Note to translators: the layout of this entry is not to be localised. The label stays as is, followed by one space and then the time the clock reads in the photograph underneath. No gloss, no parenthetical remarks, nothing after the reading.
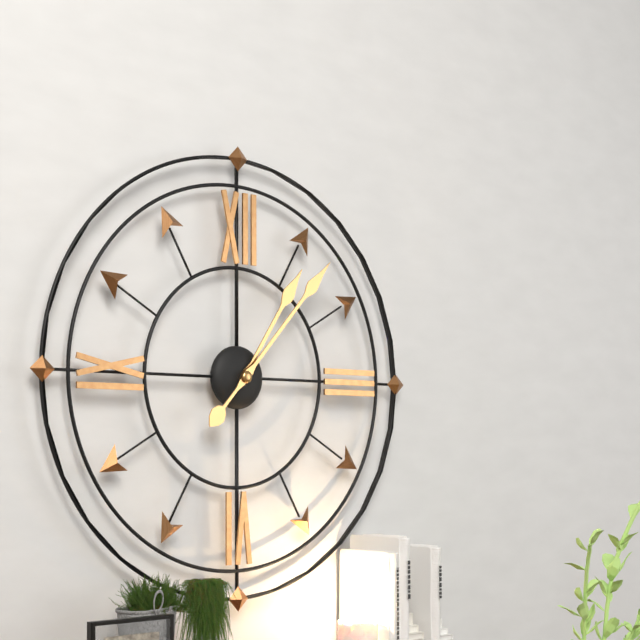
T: 1:07
